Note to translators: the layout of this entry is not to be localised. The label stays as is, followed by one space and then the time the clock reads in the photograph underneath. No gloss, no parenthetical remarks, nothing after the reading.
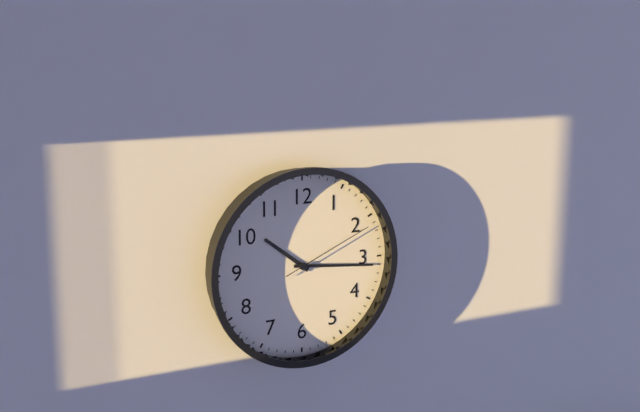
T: 10:16:11
